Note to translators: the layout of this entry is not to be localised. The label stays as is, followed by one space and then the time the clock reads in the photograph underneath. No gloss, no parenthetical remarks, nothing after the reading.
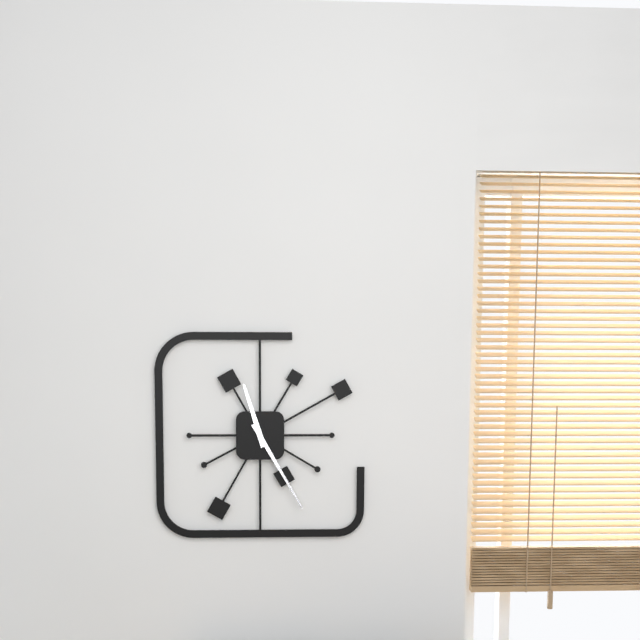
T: 11:25
